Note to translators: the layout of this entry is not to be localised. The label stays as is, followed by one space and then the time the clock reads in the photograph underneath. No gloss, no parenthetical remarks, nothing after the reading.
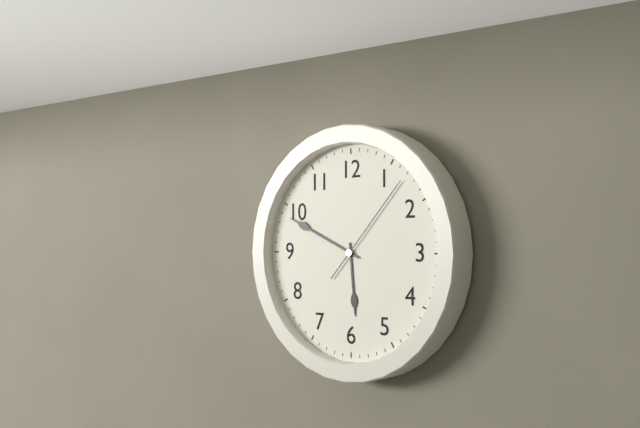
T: 5:49:07
